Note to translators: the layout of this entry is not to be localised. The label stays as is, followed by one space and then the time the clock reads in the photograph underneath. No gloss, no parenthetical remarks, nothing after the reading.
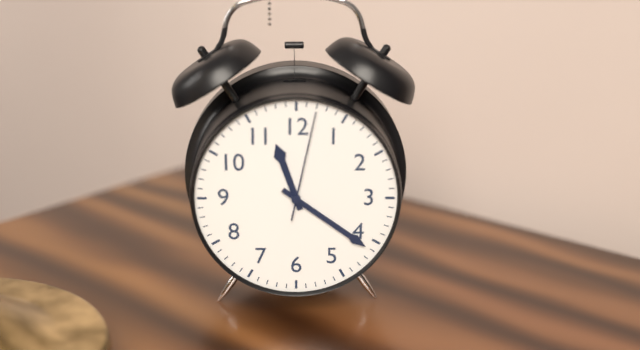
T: 11:21:02
